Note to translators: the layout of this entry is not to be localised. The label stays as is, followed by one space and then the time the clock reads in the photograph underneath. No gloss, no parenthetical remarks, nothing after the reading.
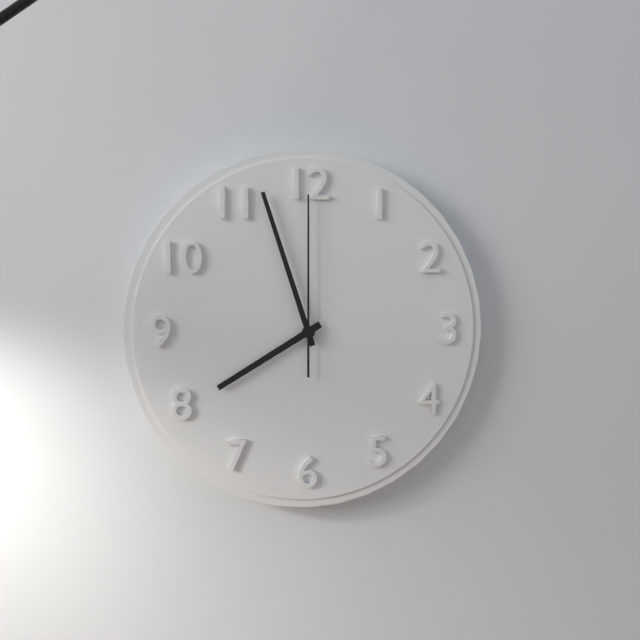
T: 7:57:00
